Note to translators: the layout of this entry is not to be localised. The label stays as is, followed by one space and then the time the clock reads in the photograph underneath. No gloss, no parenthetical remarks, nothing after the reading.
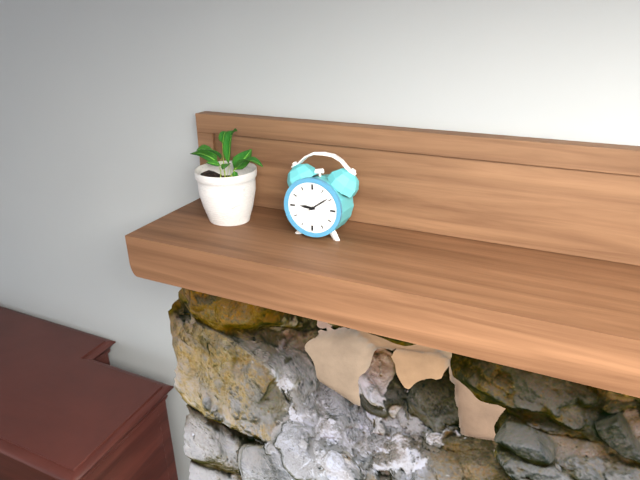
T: 9:09
